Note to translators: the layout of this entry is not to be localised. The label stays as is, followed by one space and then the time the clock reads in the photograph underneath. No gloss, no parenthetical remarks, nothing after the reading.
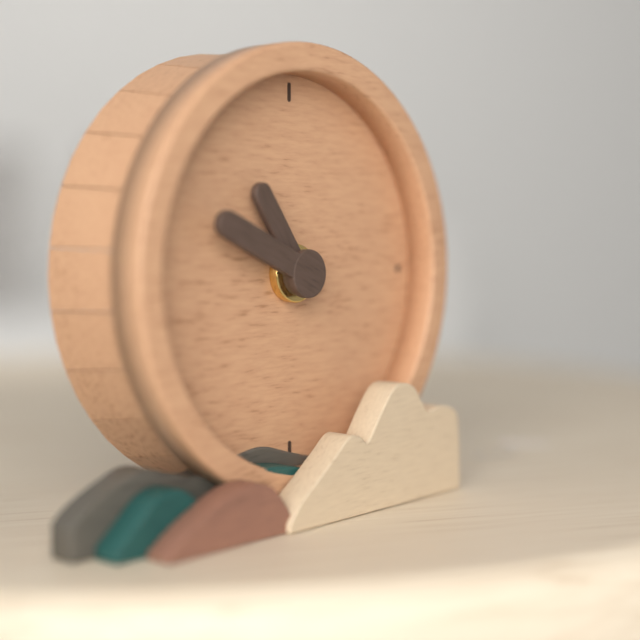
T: 10:49
